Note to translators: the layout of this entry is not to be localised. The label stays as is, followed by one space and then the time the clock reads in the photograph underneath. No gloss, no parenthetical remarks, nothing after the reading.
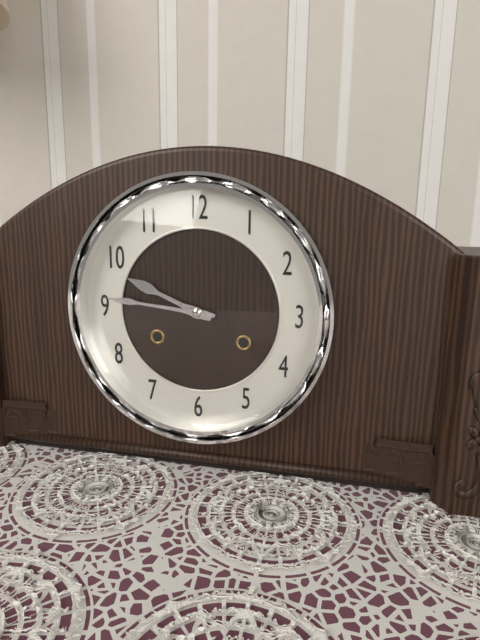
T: 9:46
